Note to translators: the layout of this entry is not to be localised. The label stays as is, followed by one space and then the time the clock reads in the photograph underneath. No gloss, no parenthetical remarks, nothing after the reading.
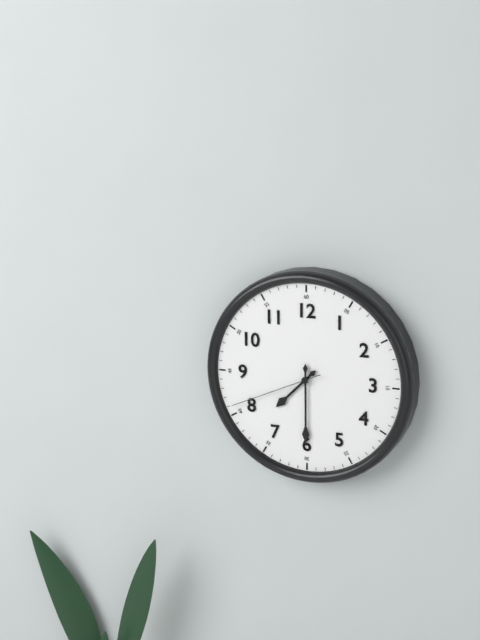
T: 7:30:41
